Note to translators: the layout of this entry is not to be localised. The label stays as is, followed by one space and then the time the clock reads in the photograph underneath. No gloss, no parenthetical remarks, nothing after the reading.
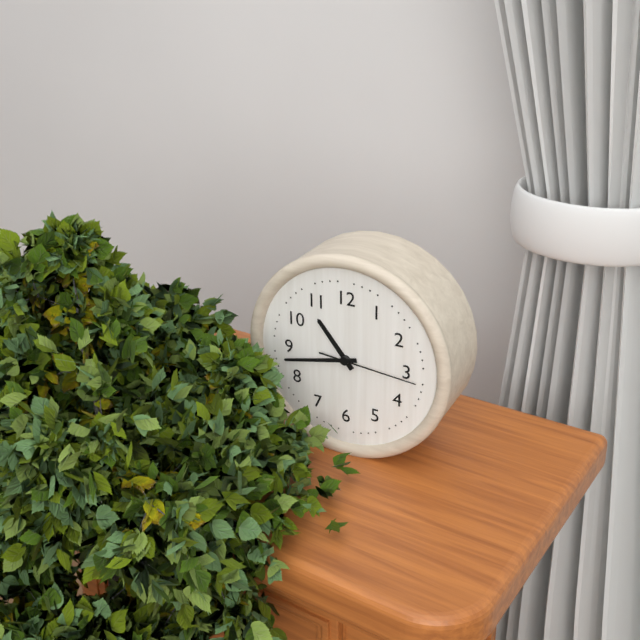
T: 10:43:16
